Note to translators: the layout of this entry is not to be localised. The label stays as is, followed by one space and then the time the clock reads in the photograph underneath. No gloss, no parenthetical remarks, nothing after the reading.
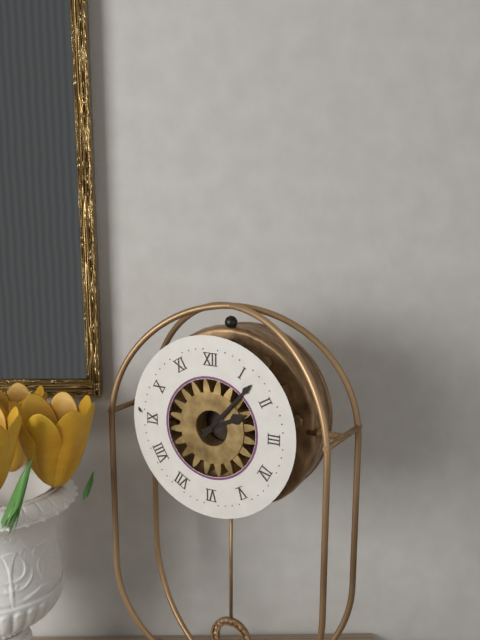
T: 2:07
